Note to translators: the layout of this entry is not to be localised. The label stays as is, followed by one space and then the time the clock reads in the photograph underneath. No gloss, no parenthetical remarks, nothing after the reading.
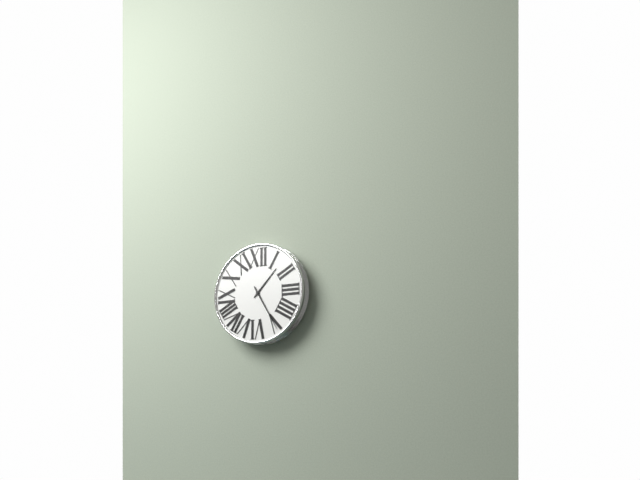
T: 1:25
